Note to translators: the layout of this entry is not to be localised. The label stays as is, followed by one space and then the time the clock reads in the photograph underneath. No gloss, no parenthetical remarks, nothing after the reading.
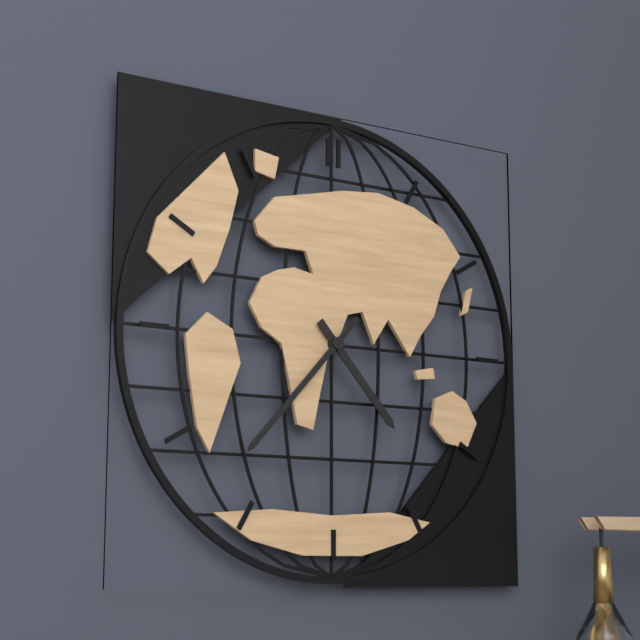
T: 4:37
